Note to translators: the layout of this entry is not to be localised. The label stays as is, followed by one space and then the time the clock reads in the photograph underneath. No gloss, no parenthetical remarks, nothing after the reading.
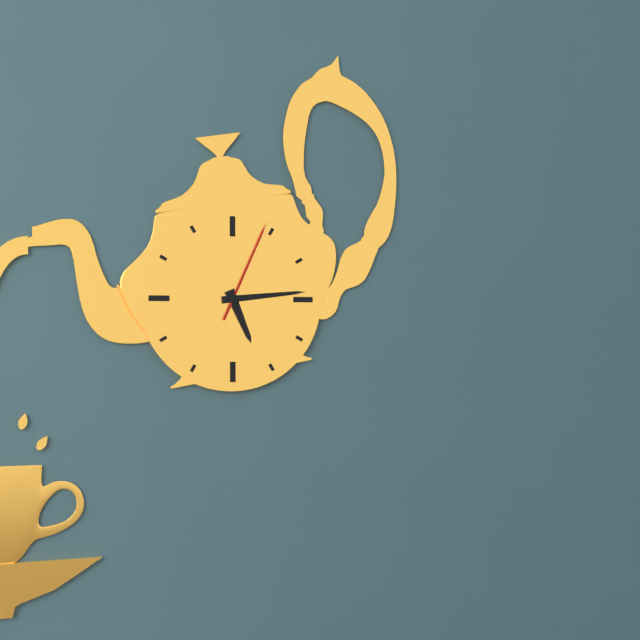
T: 5:14:04
